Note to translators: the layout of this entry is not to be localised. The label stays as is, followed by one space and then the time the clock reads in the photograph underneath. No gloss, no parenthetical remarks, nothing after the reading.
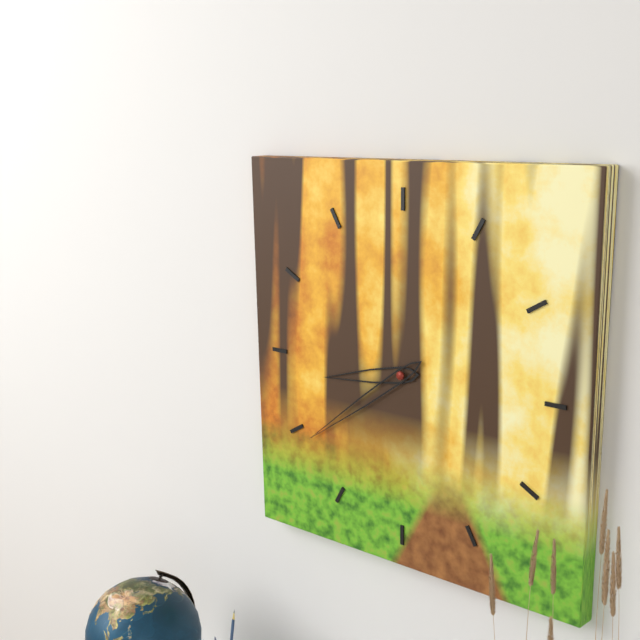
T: 8:39
